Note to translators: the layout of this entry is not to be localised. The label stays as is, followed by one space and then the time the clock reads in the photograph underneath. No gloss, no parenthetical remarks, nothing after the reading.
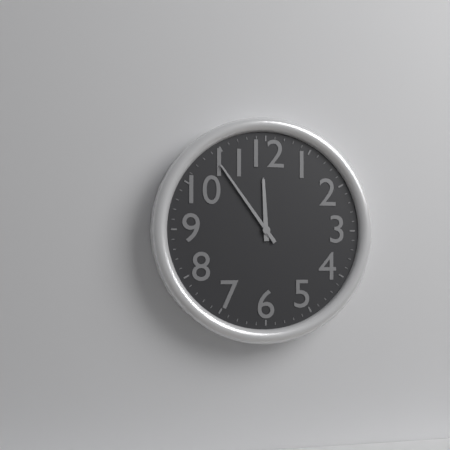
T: 11:54
